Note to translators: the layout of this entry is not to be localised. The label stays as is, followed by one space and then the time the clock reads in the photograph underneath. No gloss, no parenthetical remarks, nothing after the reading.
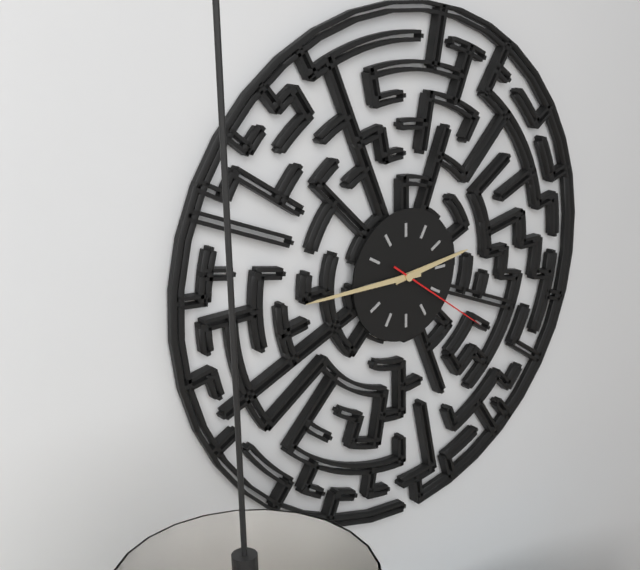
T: 2:45:21
